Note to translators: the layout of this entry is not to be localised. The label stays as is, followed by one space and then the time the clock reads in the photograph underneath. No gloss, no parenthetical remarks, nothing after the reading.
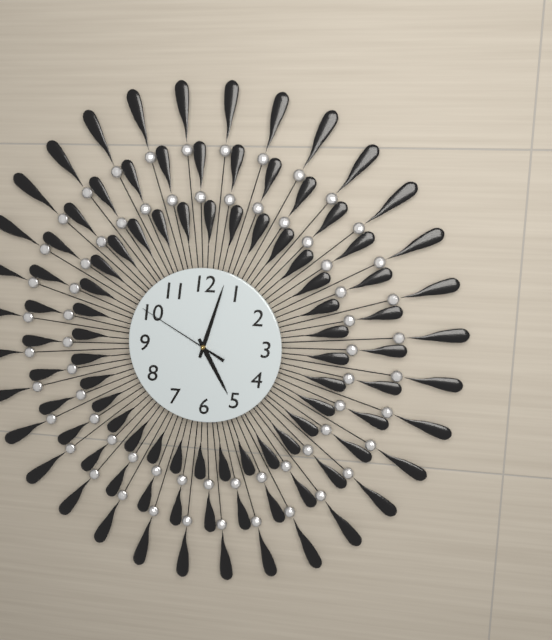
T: 5:03:50
